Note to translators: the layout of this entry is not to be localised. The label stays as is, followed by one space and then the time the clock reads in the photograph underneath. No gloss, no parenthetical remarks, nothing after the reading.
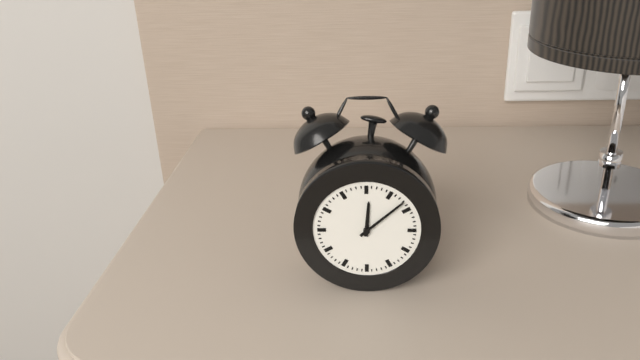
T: 12:08
